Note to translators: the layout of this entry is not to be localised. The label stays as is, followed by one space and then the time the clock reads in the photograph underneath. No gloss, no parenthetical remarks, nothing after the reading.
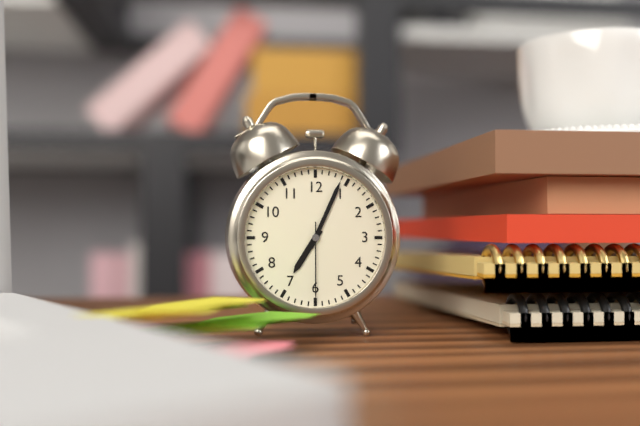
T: 7:04:30
